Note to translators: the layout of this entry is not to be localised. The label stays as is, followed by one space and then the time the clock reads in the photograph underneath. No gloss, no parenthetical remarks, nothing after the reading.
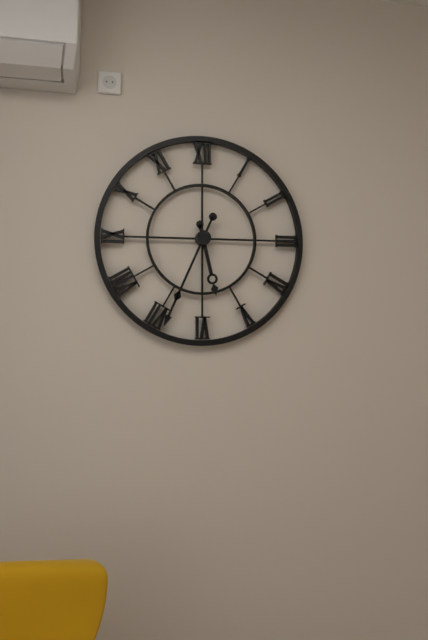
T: 5:34
